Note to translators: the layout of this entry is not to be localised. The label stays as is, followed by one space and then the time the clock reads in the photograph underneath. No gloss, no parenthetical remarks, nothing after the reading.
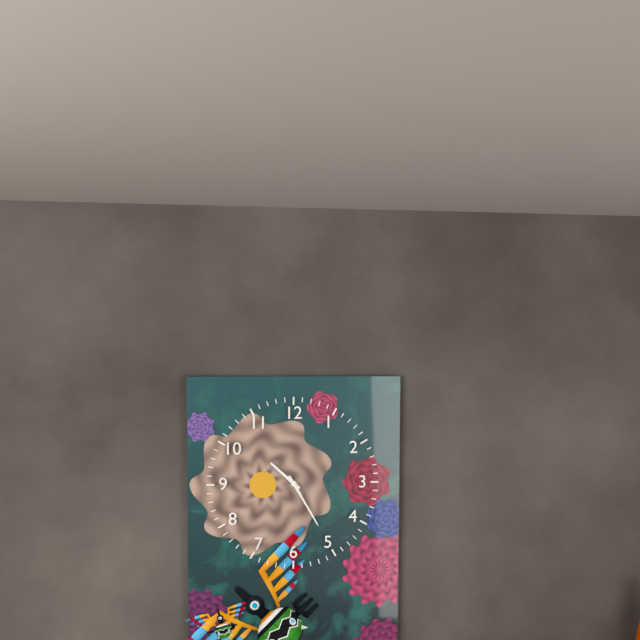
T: 10:25
